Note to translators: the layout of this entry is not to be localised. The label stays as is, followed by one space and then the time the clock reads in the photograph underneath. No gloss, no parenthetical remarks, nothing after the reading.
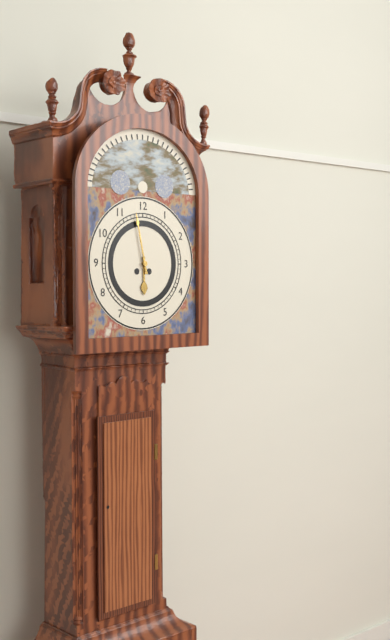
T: 5:58
